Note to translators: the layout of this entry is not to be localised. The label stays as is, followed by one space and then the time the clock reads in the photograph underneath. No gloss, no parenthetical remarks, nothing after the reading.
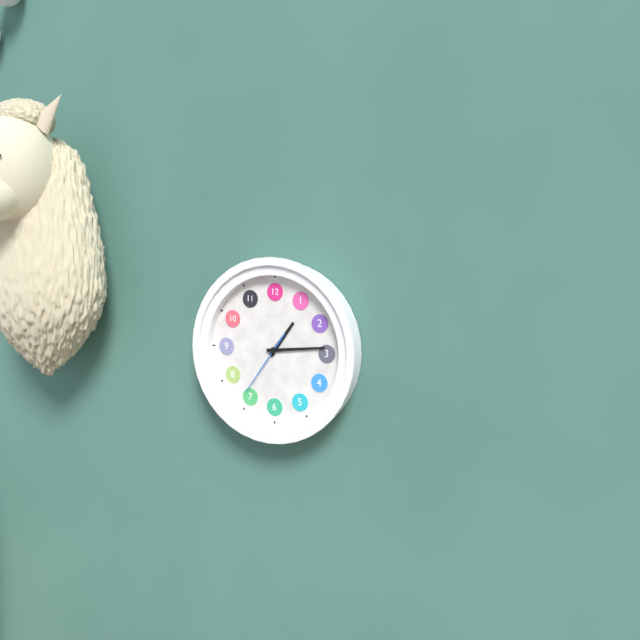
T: 1:14:36
